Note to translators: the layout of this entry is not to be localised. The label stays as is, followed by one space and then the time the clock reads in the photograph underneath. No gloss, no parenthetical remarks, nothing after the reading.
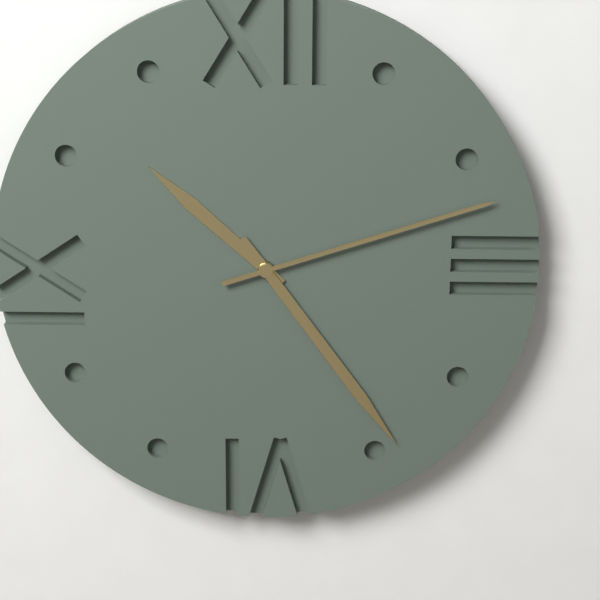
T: 10:24:12
